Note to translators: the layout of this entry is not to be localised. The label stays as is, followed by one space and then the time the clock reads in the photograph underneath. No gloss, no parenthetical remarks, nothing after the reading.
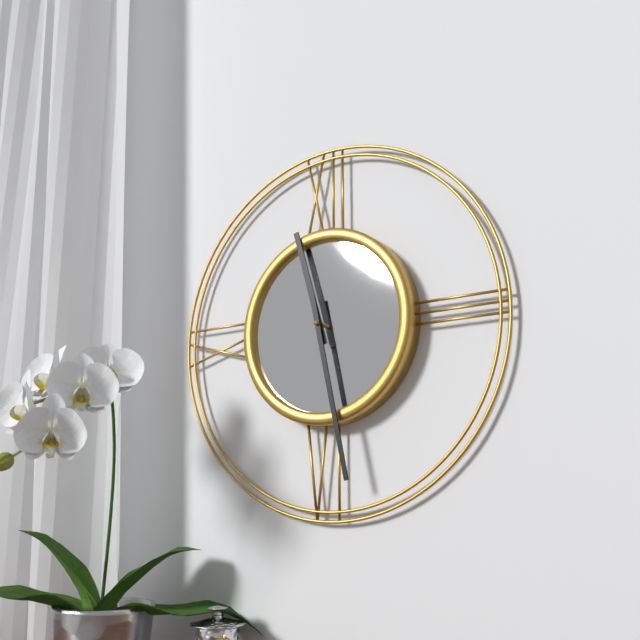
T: 11:28
